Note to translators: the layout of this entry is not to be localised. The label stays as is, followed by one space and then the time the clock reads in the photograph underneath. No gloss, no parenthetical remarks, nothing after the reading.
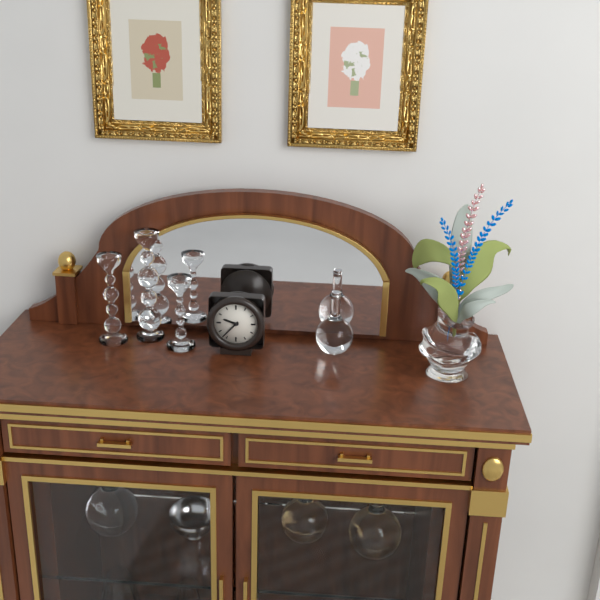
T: 9:37
